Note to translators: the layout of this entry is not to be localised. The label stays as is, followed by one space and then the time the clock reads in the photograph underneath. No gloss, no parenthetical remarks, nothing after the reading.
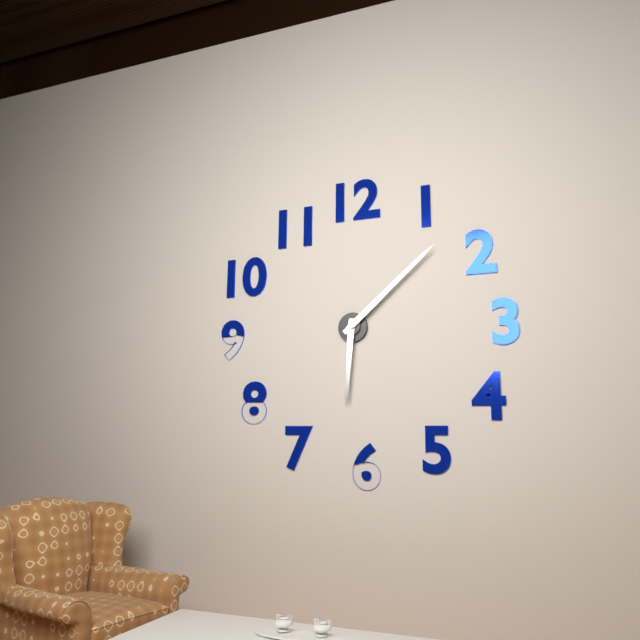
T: 6:08
